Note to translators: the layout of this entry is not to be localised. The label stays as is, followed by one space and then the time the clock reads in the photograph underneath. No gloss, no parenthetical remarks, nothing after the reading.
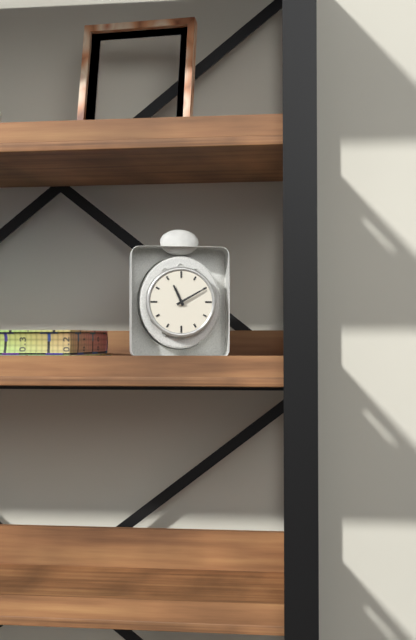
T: 11:10
